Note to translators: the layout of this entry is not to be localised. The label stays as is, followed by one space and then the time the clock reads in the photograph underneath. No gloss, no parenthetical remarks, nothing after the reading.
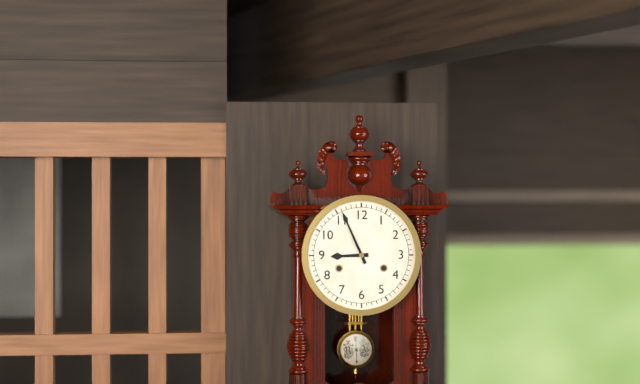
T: 8:56
